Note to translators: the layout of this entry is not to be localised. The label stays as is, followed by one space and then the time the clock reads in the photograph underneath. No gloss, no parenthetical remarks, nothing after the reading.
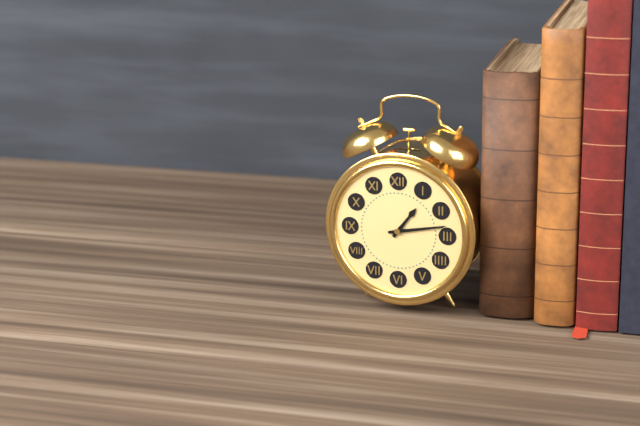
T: 1:13
